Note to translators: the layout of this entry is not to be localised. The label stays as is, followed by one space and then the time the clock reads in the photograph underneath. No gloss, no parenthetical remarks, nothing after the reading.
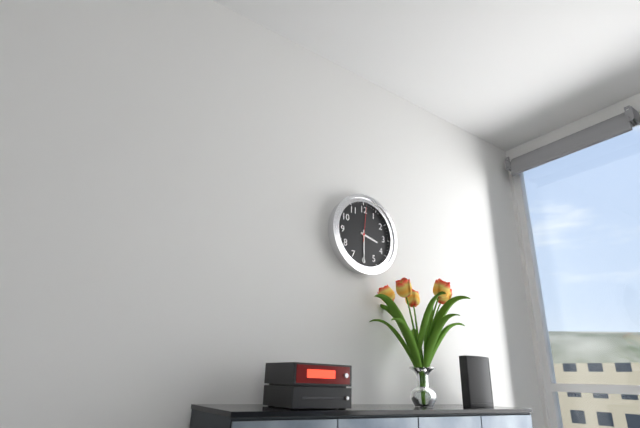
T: 3:30
